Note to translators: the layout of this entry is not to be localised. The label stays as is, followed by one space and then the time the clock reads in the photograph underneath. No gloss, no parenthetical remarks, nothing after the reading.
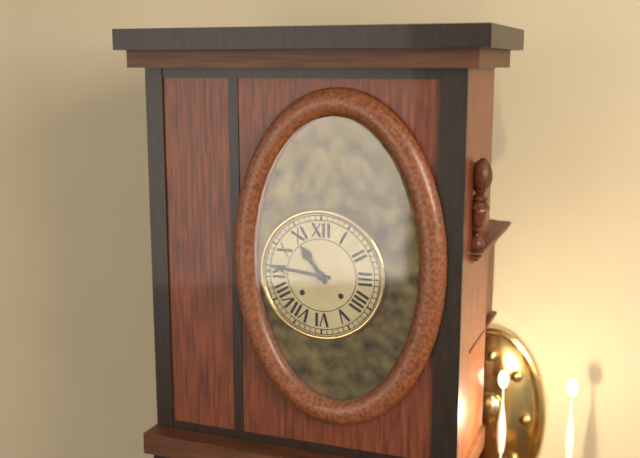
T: 10:46
